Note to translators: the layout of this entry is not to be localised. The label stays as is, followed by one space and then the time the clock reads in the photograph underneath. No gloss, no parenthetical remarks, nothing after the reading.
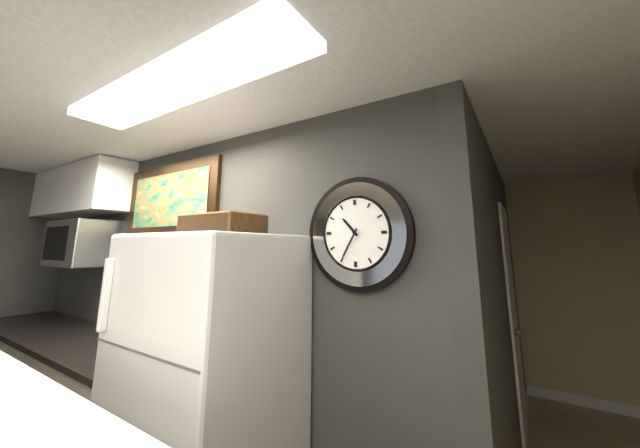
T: 10:35
